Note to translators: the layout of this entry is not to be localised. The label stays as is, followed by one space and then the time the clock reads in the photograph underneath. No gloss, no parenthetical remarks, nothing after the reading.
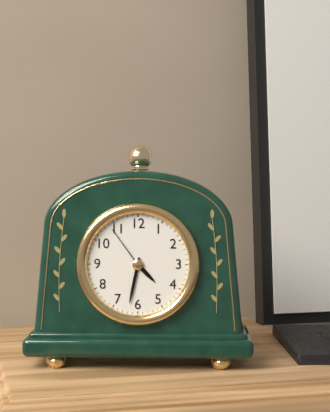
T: 4:32:54
